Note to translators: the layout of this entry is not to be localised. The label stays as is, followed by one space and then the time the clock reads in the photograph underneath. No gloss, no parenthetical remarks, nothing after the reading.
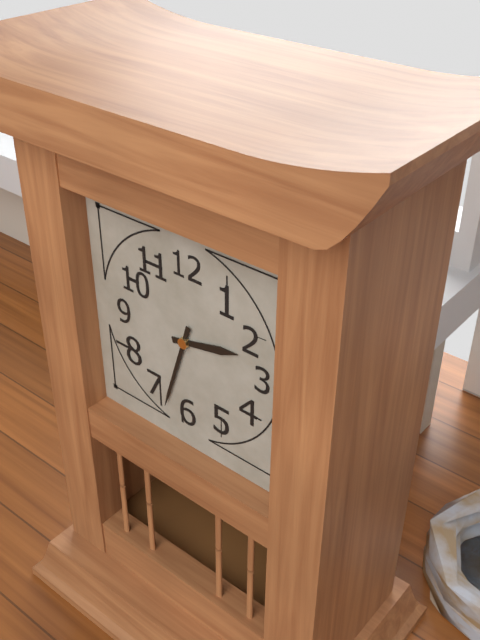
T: 2:33
